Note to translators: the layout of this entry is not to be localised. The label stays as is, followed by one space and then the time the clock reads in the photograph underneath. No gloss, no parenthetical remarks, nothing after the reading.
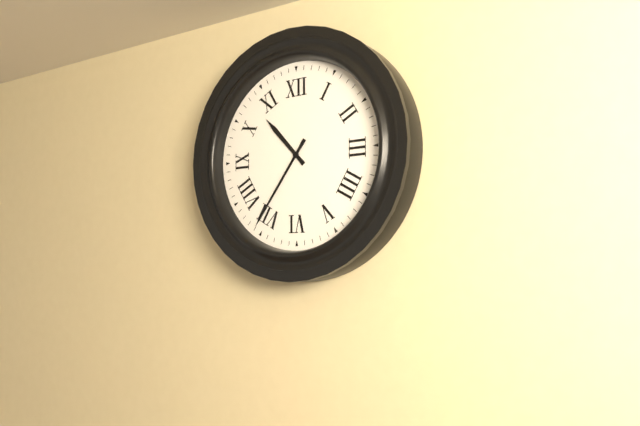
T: 10:36
